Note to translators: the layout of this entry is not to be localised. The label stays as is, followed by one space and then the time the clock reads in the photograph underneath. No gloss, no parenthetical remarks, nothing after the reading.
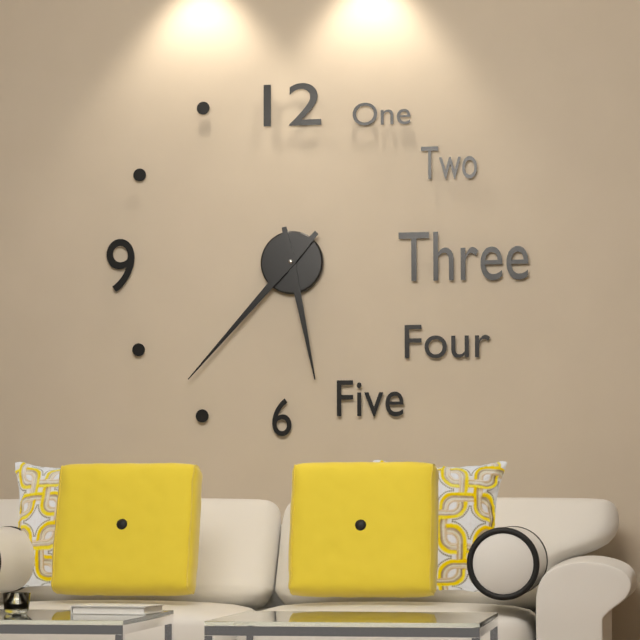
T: 5:37
